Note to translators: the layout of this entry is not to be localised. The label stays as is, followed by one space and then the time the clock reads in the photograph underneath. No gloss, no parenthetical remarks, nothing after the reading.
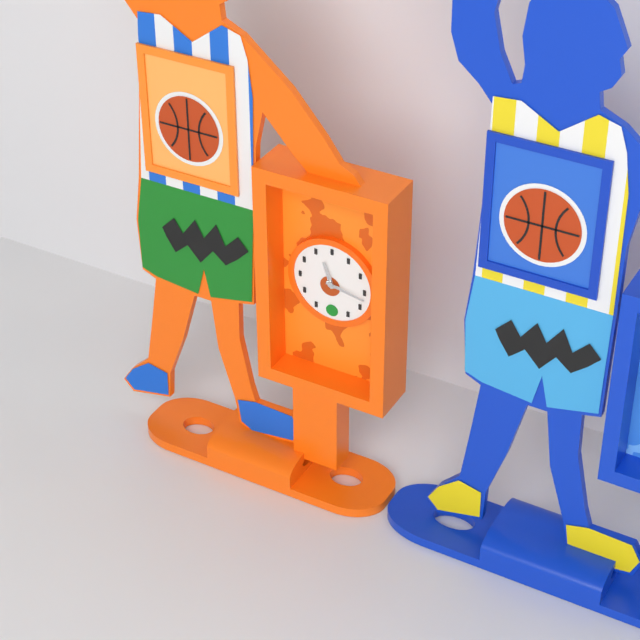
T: 11:17
